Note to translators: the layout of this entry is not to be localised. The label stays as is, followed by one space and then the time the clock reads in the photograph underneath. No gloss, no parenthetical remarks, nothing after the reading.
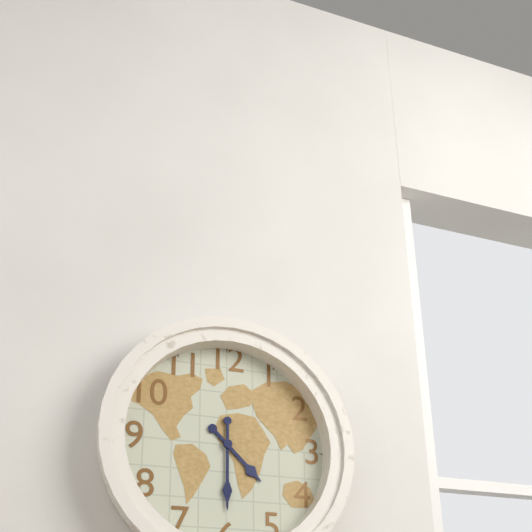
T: 4:30
